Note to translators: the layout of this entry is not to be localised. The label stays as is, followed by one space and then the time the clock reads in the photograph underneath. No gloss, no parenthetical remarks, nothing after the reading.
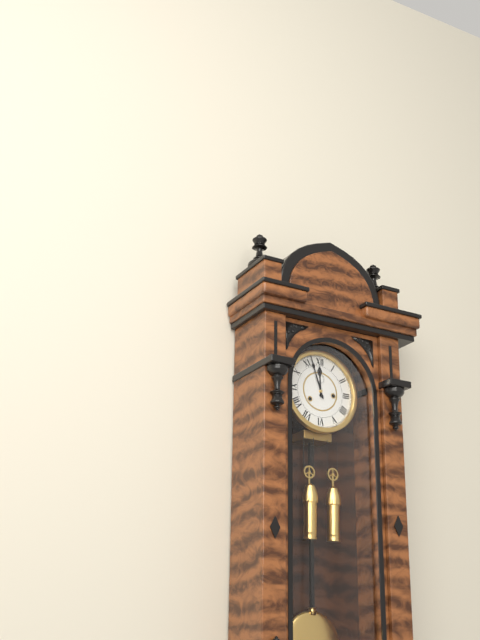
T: 11:57
